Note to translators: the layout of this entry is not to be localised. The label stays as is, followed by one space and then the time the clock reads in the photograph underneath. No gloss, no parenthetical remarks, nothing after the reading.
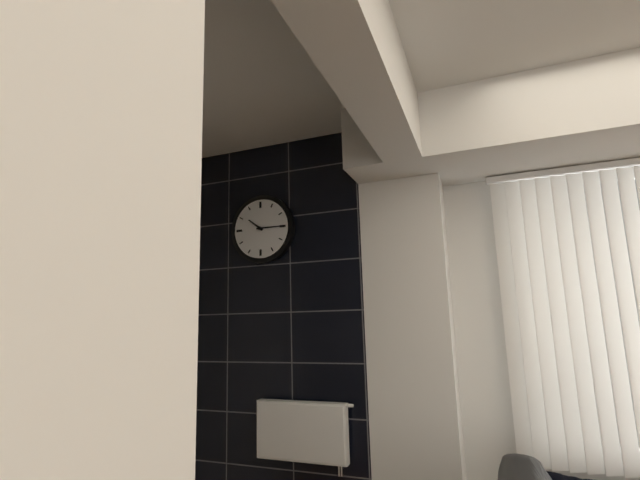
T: 10:15
